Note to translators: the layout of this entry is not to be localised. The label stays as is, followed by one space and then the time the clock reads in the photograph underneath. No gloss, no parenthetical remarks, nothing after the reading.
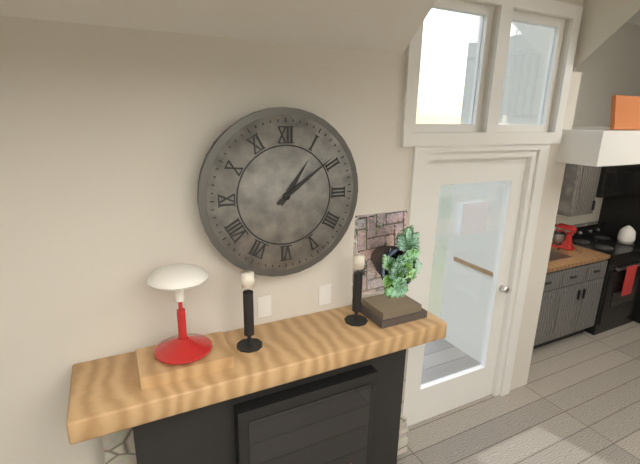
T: 1:09
